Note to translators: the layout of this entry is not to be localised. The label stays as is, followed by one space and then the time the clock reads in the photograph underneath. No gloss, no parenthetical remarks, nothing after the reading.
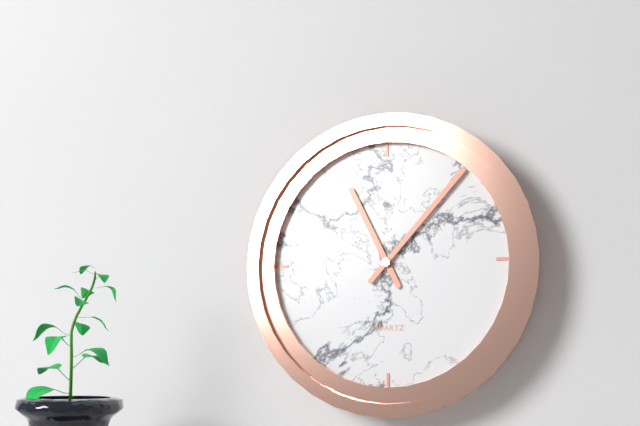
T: 11:07
